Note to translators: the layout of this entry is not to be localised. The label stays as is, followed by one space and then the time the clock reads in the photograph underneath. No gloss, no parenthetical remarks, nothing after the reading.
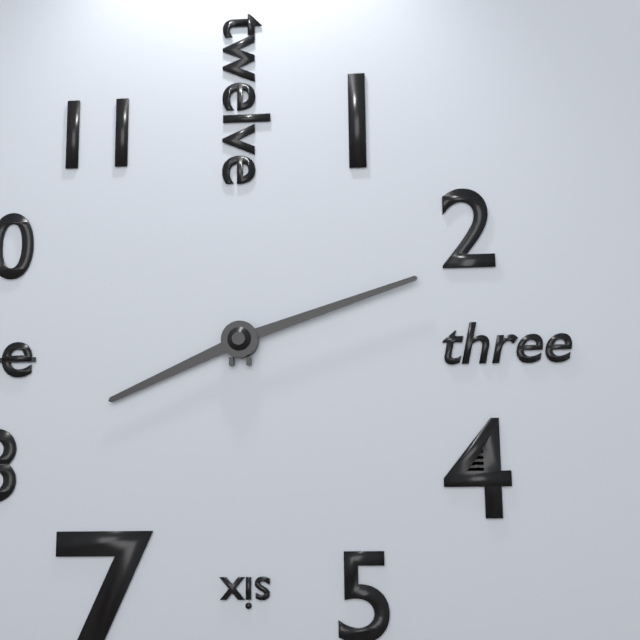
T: 8:12
